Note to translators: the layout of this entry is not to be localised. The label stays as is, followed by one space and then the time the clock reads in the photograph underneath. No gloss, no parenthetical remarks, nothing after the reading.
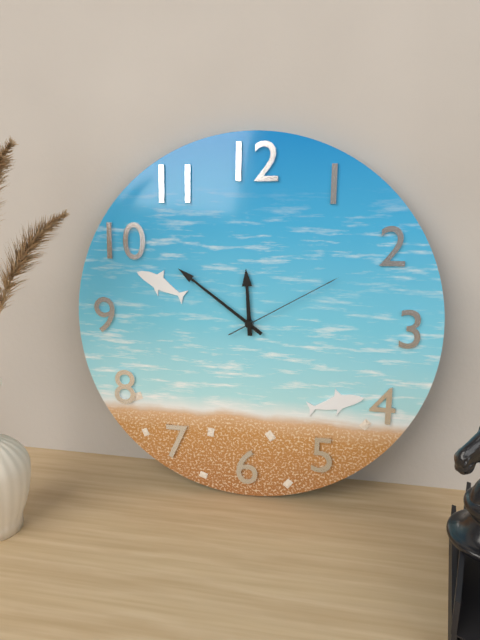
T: 11:51:10
